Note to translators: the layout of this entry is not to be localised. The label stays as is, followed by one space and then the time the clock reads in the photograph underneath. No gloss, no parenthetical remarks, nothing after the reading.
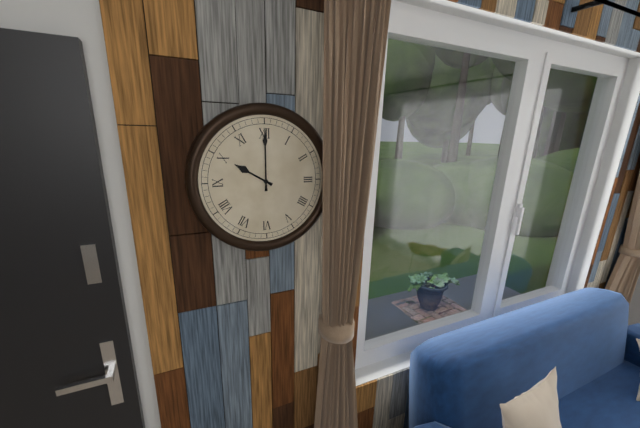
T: 10:00
